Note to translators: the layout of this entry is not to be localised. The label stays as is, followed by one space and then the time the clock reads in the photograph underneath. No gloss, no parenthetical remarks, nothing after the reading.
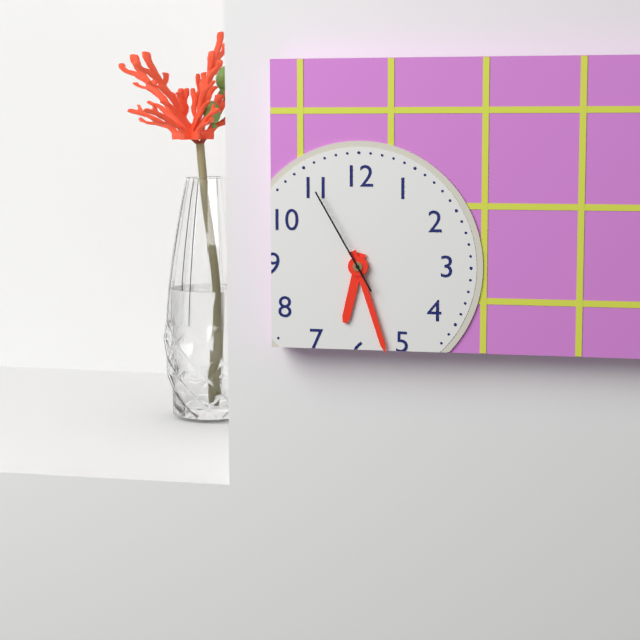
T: 6:27:55
